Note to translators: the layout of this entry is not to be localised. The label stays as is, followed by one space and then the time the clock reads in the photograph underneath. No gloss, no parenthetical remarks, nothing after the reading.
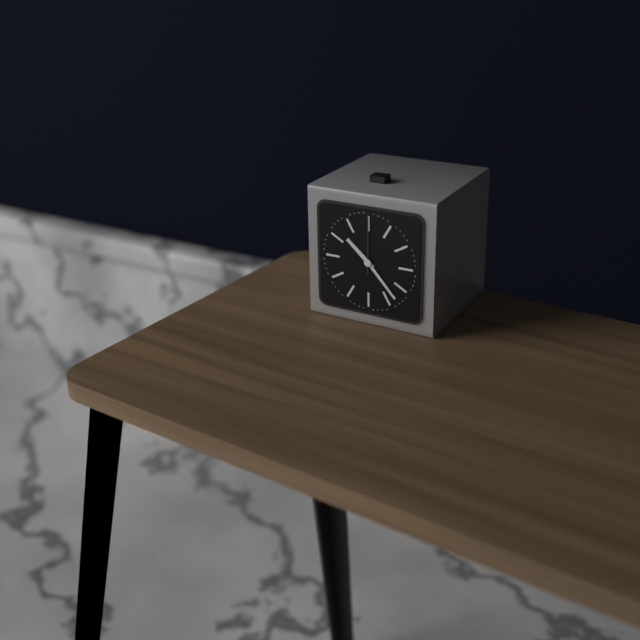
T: 10:23:00
